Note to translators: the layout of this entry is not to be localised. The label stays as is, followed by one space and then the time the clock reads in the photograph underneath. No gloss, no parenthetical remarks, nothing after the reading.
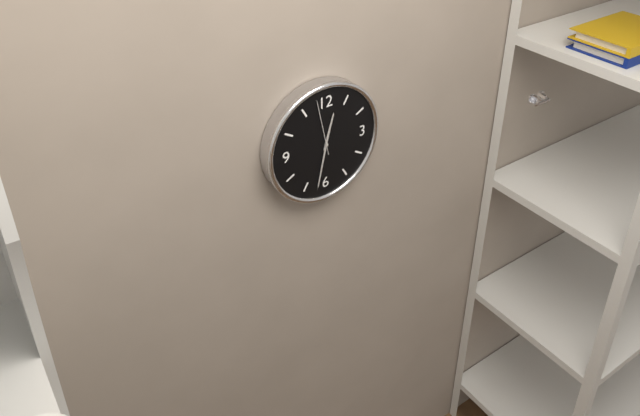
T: 12:32:58
